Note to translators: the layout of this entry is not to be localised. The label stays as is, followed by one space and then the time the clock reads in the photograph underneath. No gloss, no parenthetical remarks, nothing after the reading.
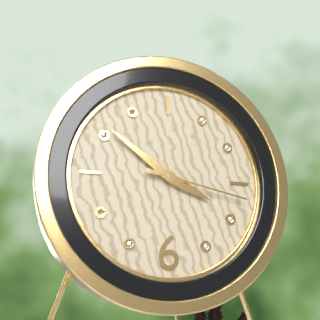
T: 3:51:17
